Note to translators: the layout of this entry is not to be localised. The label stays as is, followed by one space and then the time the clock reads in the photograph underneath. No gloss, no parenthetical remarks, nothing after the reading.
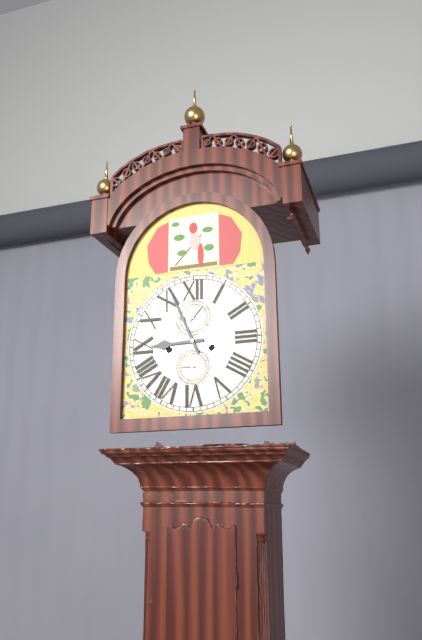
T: 8:56
